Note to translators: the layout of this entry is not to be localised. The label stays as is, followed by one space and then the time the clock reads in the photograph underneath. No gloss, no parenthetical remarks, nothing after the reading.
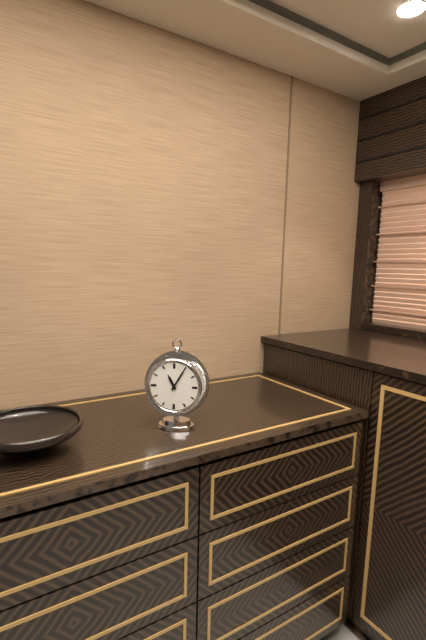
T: 11:05
